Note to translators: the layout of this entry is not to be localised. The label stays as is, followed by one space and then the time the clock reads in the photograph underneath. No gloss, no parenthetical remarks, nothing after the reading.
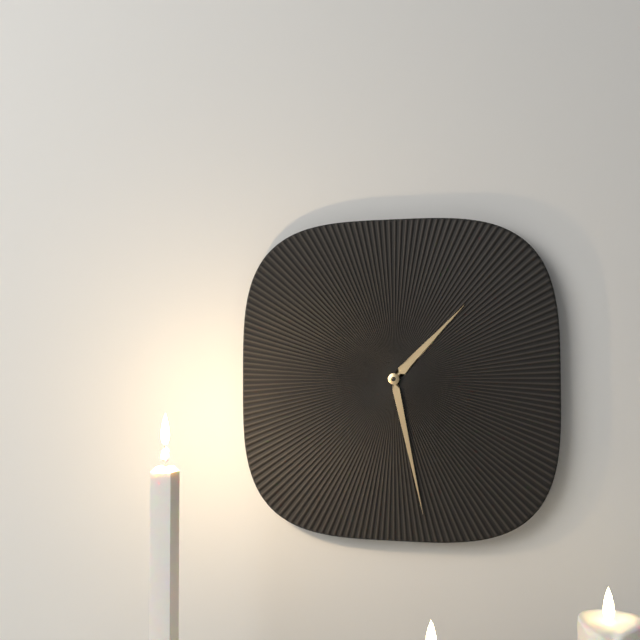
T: 1:28
